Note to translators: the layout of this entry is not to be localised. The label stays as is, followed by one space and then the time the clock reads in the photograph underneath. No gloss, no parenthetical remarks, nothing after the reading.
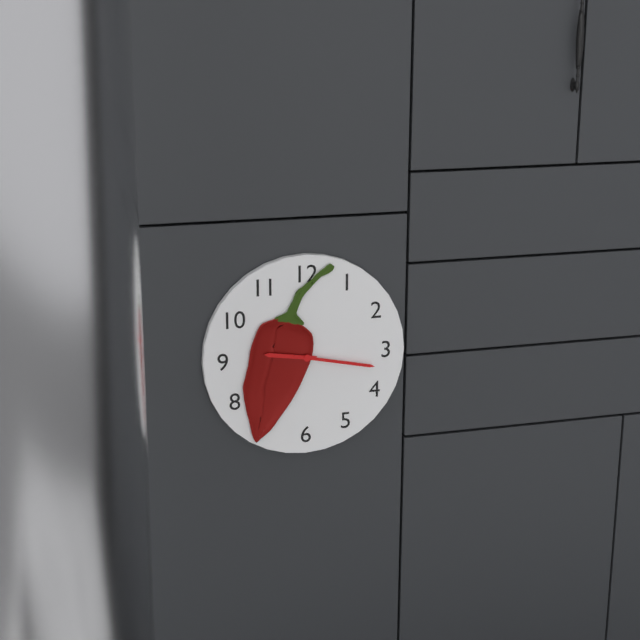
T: 9:17
